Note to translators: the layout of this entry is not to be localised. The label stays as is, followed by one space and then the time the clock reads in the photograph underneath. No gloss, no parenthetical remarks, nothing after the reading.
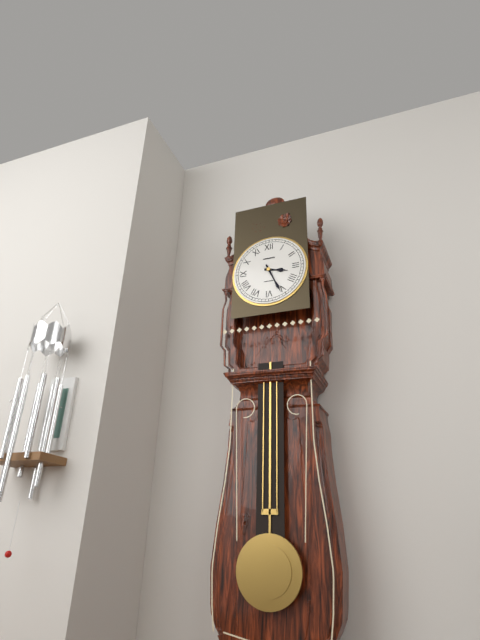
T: 3:26
